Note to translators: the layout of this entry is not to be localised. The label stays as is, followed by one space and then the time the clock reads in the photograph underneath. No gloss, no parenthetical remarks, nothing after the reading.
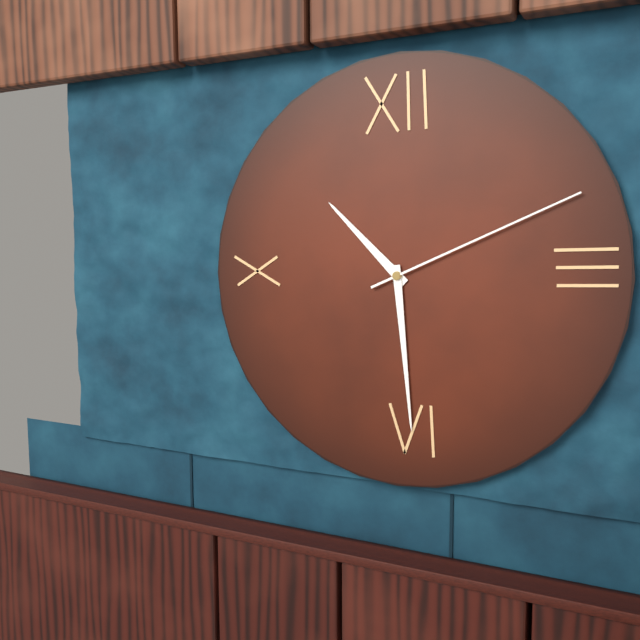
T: 10:29:11
